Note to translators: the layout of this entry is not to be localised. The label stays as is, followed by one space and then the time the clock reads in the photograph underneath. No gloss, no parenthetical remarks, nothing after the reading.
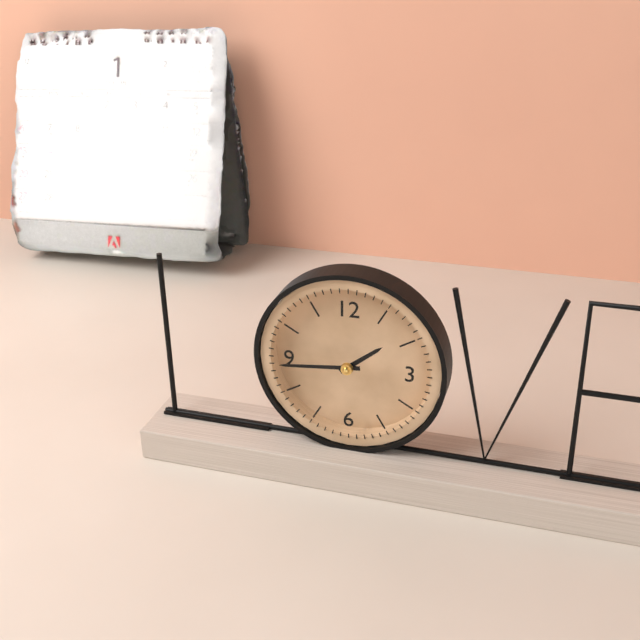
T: 1:44
